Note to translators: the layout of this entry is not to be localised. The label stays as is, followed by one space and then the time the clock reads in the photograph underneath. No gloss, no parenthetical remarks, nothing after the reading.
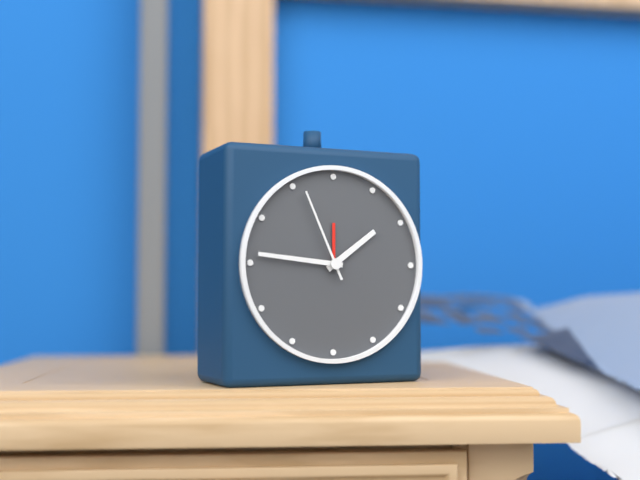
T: 1:46:56
